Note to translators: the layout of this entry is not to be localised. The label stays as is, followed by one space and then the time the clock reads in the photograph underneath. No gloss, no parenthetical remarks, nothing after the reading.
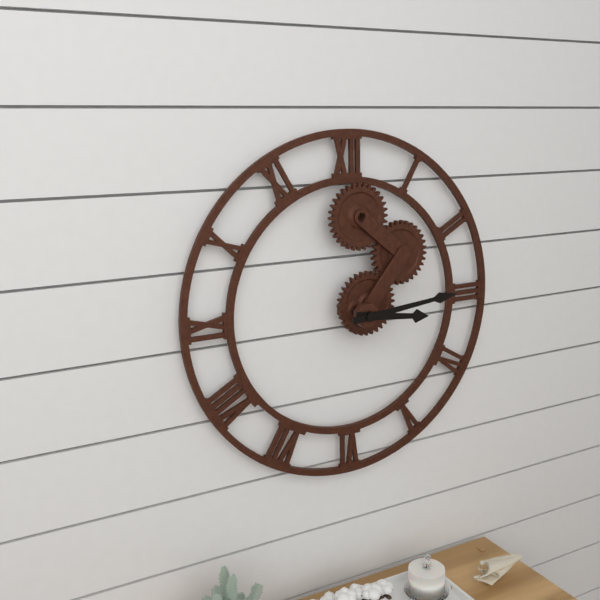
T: 3:14
